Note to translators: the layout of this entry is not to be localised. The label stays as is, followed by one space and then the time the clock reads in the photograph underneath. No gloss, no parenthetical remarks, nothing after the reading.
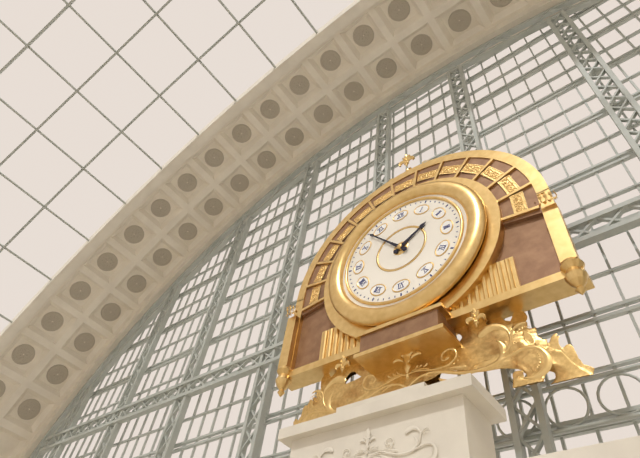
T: 1:53
